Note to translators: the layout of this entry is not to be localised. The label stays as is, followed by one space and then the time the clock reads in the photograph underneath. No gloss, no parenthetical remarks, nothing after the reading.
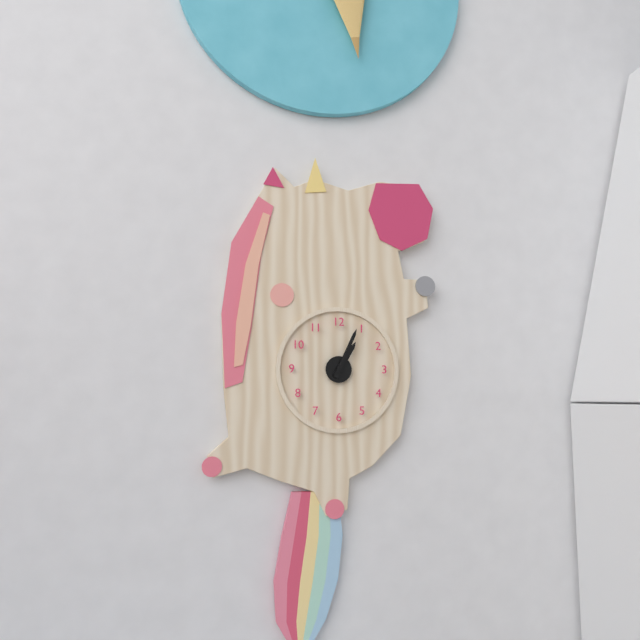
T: 1:04
